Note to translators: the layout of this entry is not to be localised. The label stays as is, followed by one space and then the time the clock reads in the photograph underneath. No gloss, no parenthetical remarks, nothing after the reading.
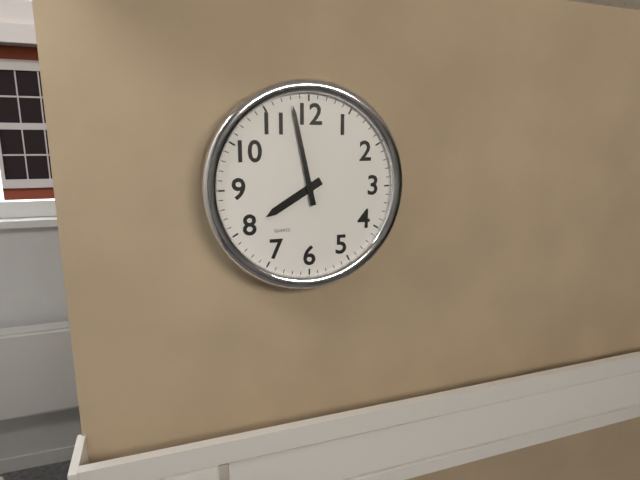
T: 7:58
